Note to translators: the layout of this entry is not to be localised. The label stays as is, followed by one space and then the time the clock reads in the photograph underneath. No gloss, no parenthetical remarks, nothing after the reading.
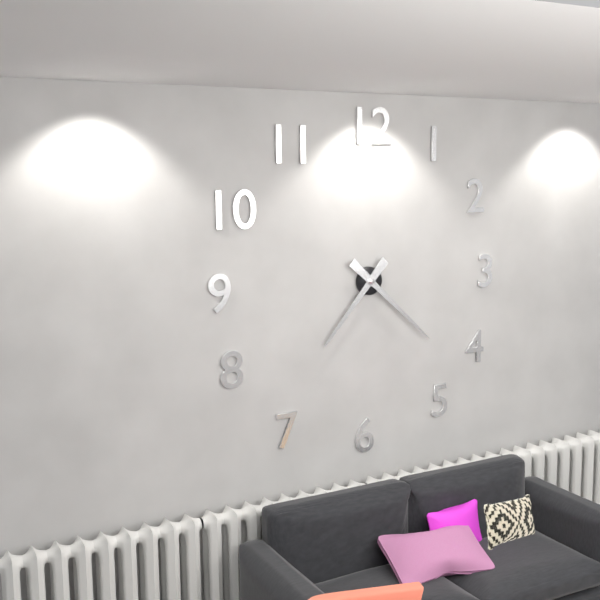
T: 7:22
